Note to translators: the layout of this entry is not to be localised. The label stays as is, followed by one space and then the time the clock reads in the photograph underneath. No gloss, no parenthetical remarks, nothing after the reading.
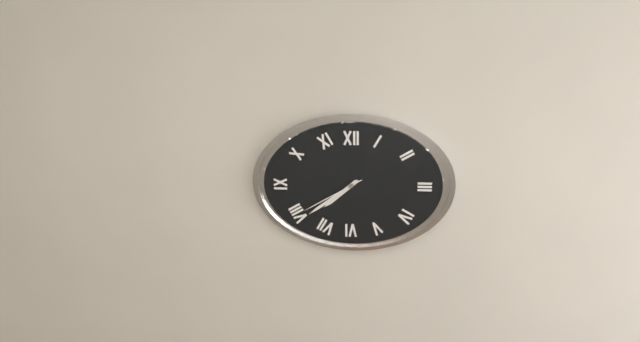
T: 7:39:40
